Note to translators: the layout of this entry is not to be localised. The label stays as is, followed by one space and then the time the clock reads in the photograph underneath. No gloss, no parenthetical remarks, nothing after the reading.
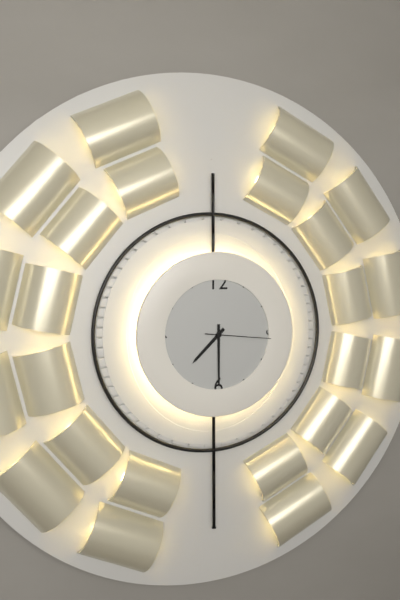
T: 7:30:16
